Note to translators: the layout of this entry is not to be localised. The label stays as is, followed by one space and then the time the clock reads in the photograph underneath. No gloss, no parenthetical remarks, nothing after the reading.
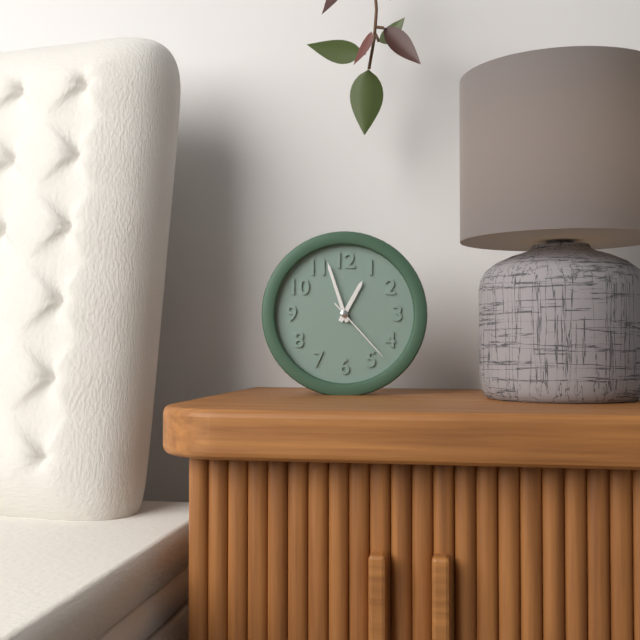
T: 12:57:23
